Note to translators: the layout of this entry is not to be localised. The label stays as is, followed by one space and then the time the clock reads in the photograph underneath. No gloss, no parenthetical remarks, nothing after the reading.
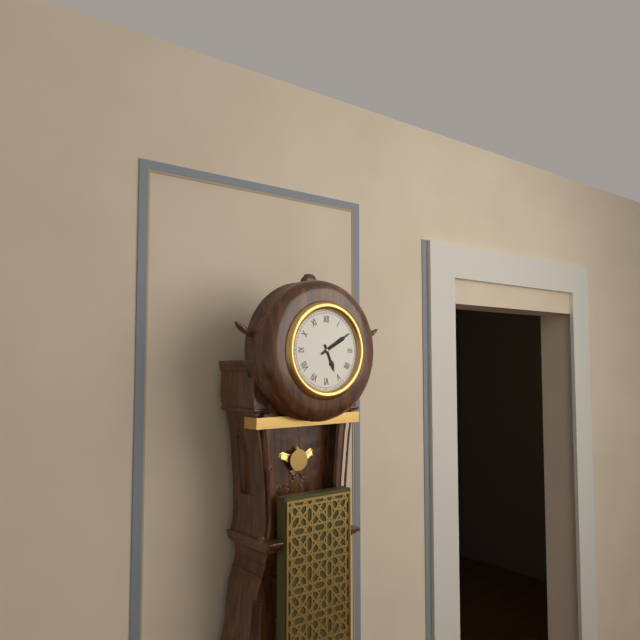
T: 5:10
